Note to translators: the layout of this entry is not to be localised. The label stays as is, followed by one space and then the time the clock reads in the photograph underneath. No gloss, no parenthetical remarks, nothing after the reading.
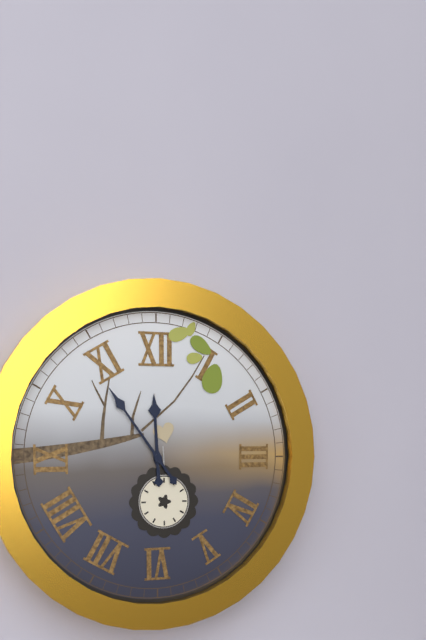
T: 11:54
